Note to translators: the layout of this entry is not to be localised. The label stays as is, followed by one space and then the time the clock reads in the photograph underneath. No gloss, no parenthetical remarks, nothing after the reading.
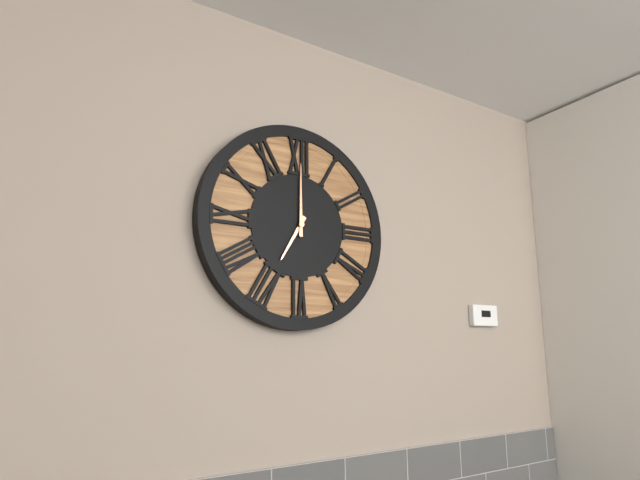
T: 7:00
